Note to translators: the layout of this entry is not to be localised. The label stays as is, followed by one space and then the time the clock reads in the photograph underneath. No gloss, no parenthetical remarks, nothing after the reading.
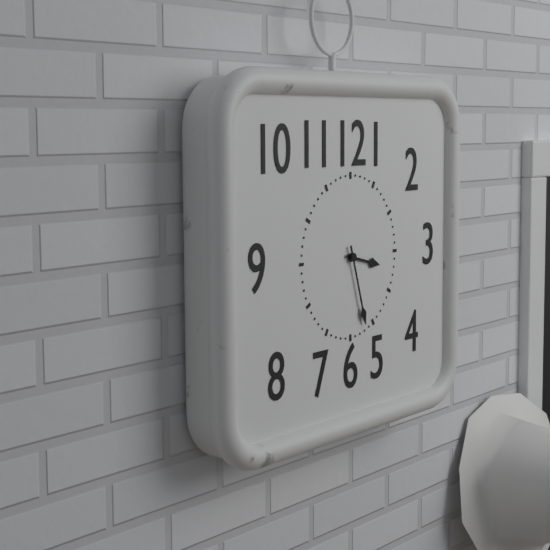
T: 3:27
